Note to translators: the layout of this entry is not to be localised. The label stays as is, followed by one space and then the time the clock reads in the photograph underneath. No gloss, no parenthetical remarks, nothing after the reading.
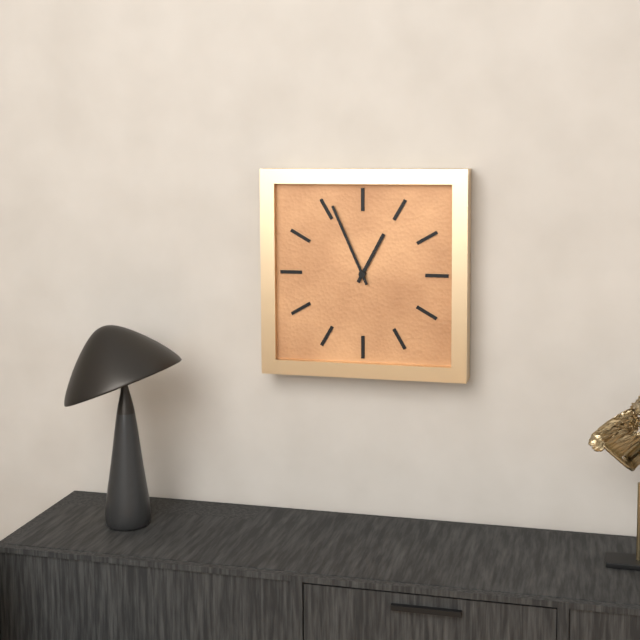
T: 12:56
